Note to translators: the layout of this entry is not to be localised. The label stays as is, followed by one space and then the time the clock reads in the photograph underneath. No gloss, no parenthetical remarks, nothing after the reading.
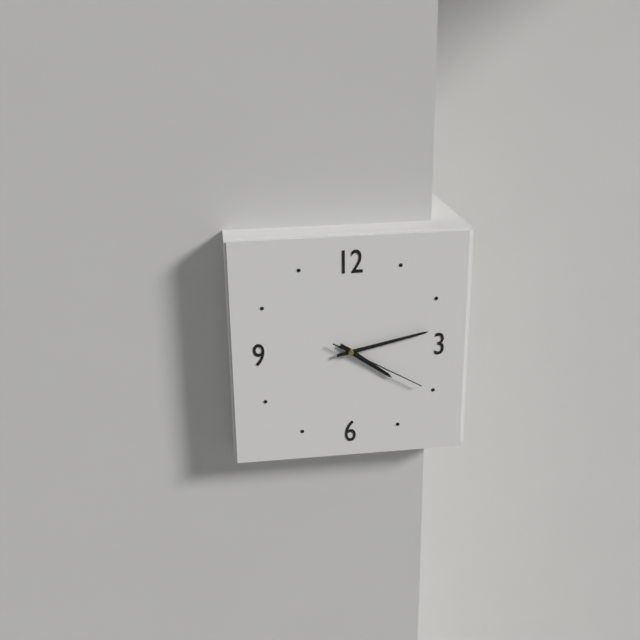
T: 4:13:20
